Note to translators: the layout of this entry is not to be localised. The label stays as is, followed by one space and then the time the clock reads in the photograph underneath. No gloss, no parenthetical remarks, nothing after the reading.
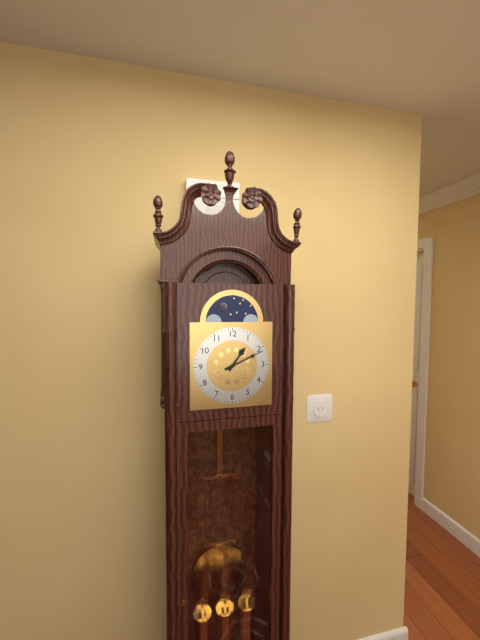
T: 1:11
